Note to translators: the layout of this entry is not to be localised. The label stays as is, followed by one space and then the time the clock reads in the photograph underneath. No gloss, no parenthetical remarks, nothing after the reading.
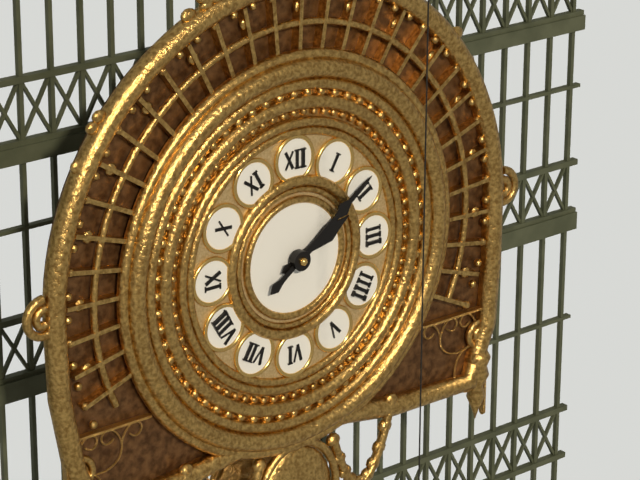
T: 2:09
